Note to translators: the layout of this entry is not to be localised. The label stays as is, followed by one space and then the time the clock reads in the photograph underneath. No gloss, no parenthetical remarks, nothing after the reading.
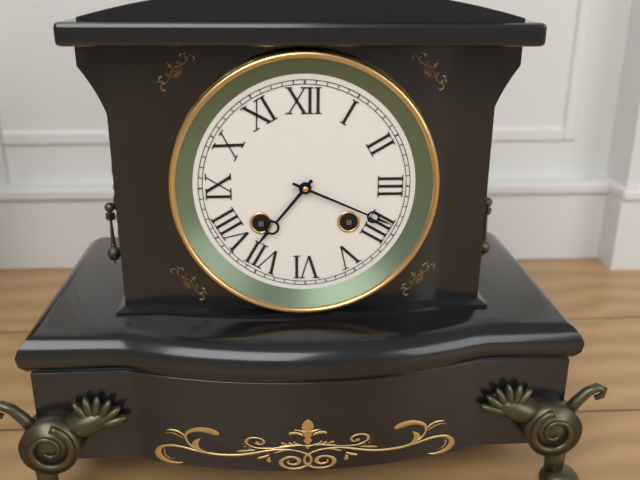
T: 7:19
